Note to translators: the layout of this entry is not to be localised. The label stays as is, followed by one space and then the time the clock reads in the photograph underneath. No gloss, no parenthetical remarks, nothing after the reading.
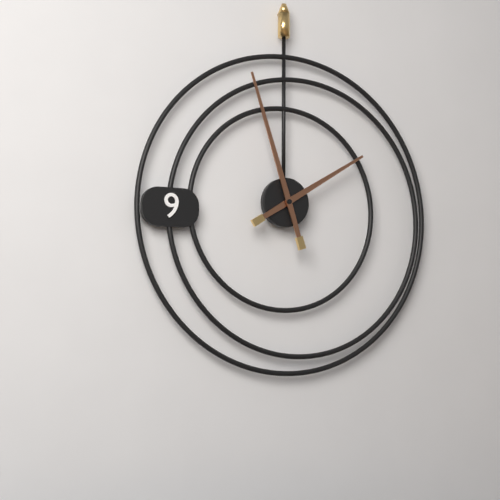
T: 1:57
